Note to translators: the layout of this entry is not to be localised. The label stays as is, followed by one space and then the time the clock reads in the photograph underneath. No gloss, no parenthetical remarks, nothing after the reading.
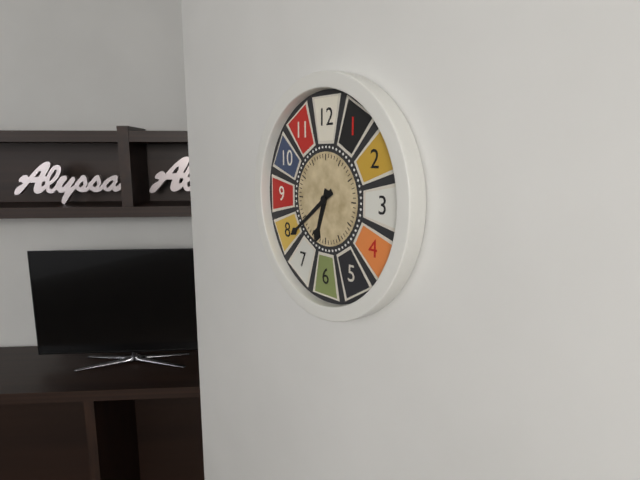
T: 6:39
